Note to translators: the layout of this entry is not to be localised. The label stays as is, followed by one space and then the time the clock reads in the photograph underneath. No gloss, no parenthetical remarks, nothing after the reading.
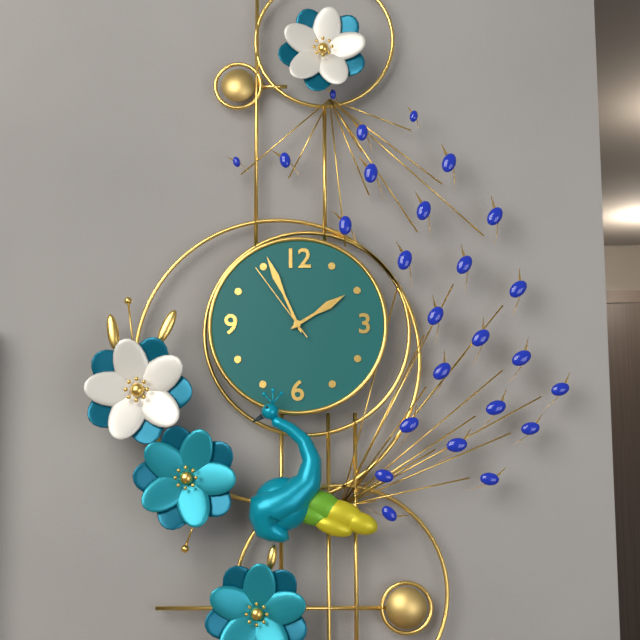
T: 1:56:54
